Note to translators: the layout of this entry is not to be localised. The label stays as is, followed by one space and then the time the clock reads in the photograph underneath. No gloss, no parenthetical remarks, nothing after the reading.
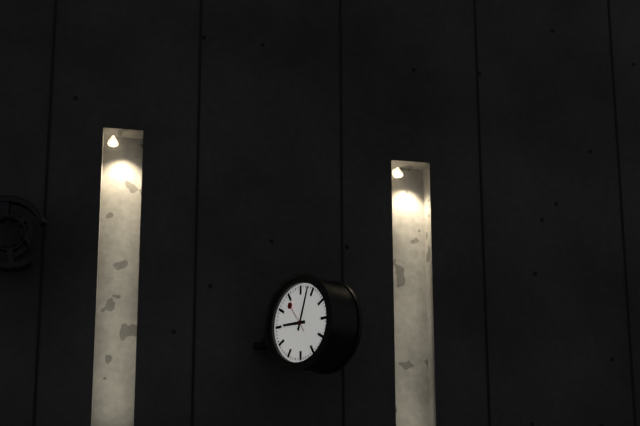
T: 9:03
